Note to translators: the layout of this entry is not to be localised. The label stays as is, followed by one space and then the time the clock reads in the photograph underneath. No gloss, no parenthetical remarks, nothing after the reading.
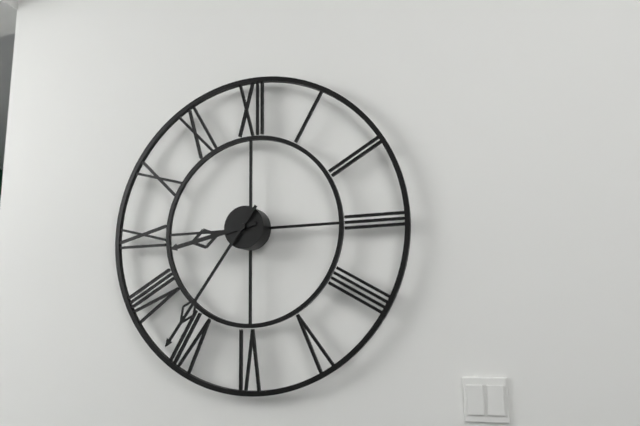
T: 8:36
